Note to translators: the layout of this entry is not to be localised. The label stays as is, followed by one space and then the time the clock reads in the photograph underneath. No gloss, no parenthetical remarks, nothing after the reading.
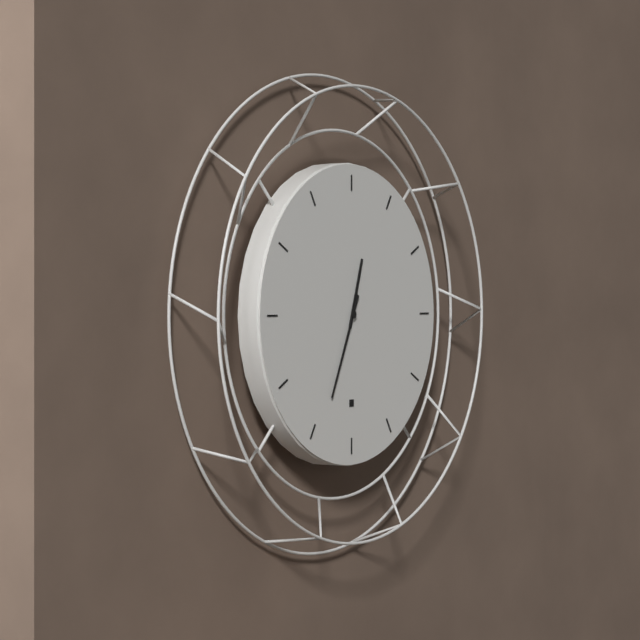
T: 12:34
